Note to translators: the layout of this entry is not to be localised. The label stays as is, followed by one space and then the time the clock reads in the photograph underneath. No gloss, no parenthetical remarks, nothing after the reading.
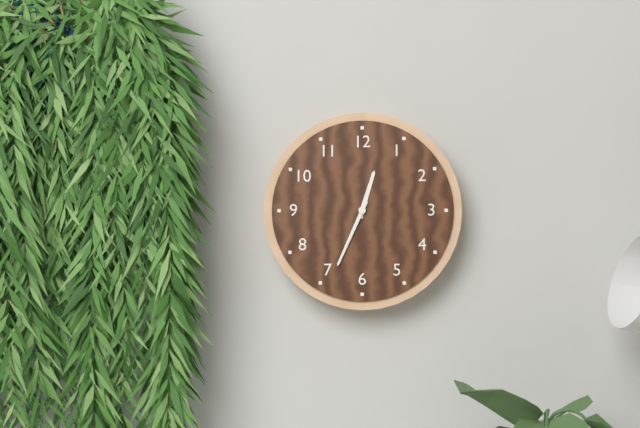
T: 12:34
